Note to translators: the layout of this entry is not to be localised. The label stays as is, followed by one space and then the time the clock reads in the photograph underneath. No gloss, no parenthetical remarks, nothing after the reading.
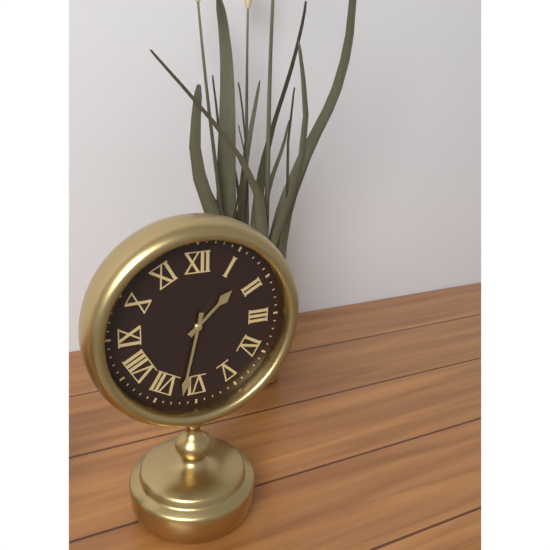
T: 1:32
